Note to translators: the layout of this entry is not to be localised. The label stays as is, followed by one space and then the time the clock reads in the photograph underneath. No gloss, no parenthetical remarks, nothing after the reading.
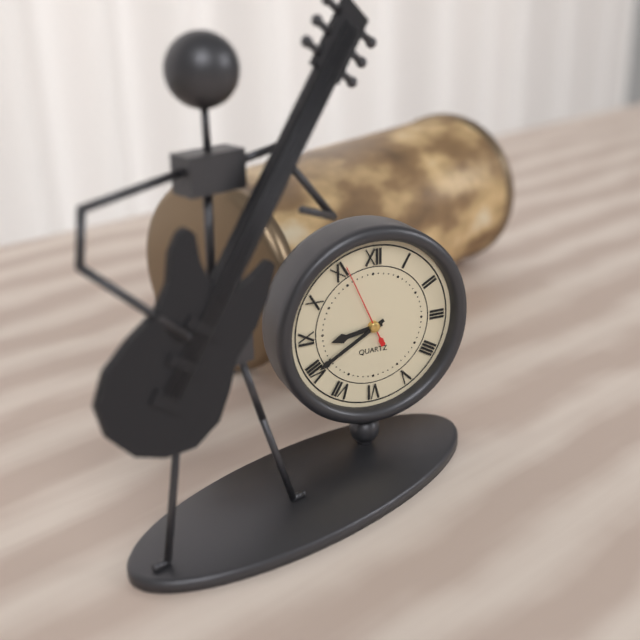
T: 8:40:56
